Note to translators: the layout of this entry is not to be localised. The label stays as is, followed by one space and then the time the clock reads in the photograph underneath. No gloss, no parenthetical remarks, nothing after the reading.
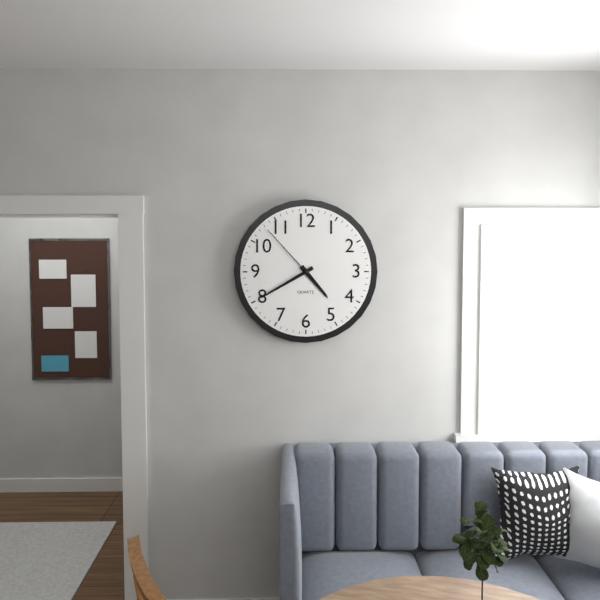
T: 4:40:53
